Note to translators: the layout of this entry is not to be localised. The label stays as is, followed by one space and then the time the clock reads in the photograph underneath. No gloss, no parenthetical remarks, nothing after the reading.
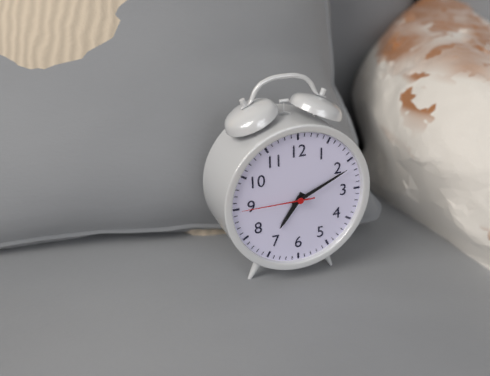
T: 7:11:45
